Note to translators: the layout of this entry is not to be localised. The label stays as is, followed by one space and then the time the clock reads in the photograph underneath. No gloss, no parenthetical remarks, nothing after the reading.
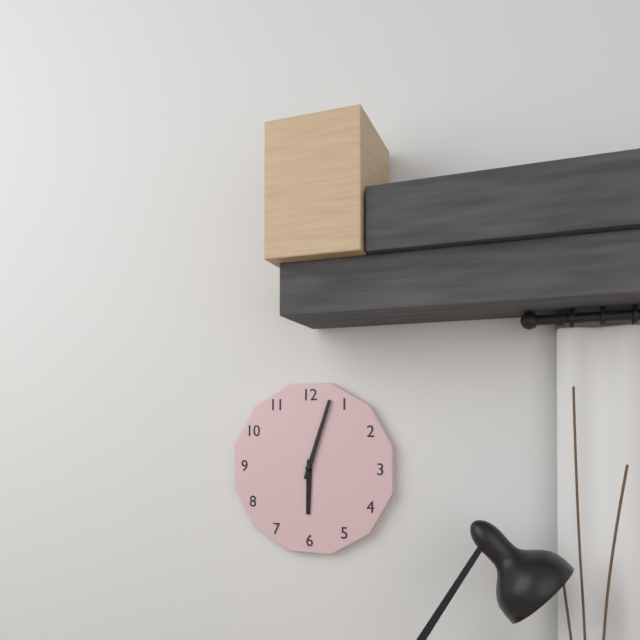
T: 6:03
